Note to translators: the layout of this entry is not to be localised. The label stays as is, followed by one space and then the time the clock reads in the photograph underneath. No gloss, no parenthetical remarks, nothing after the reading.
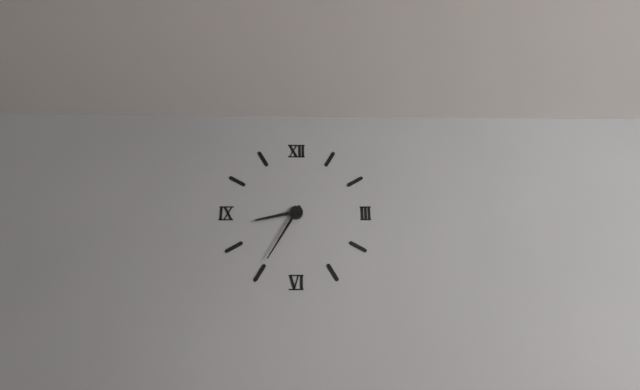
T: 8:35
